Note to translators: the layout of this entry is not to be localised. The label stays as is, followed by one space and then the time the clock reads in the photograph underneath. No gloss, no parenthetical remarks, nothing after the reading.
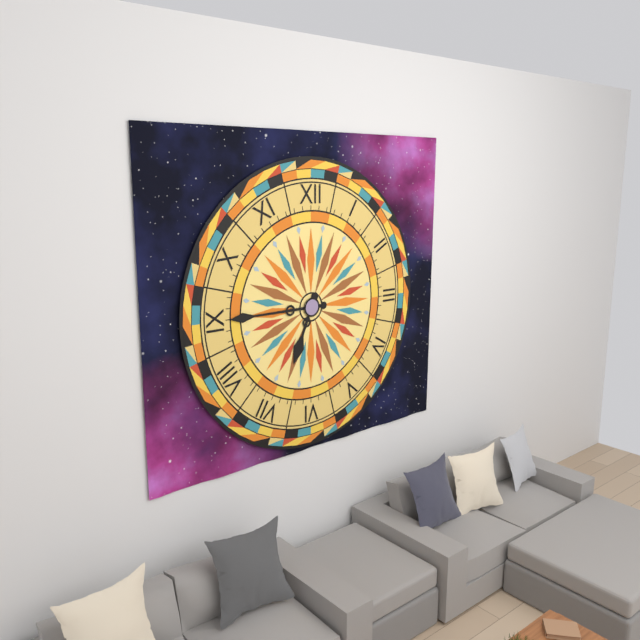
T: 6:45
